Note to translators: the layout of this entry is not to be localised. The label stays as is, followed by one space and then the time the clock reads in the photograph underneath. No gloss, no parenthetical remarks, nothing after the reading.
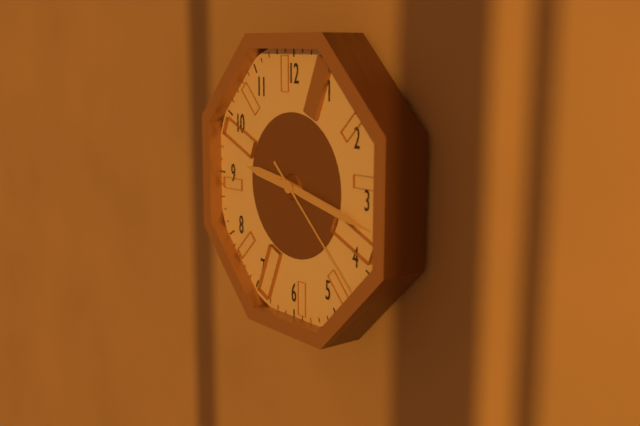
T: 9:17:22
